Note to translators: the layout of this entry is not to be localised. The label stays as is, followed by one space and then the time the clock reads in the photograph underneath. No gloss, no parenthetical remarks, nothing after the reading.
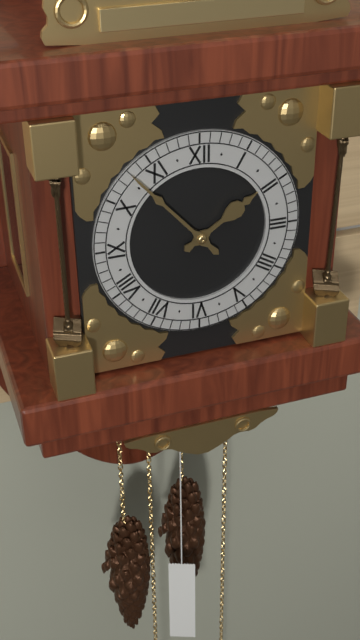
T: 1:53
